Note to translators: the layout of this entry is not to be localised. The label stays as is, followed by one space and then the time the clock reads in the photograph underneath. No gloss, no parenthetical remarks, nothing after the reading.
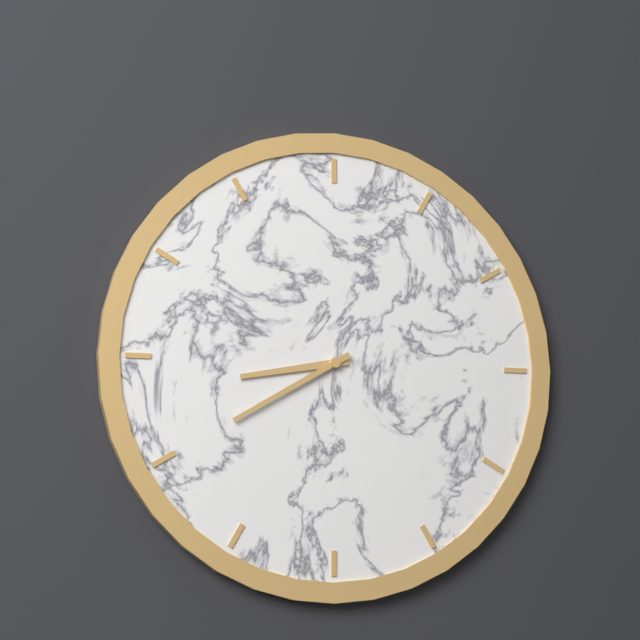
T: 8:40
